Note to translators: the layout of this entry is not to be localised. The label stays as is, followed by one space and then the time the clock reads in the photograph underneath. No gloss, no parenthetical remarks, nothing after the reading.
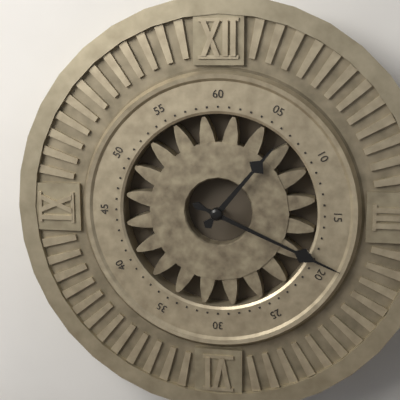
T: 1:19
